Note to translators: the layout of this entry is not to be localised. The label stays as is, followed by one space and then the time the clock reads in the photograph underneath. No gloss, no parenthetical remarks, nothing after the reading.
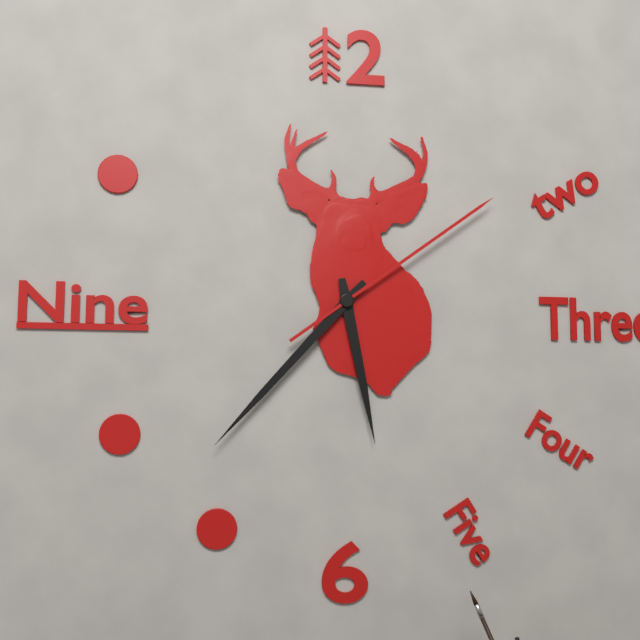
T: 5:37:09
